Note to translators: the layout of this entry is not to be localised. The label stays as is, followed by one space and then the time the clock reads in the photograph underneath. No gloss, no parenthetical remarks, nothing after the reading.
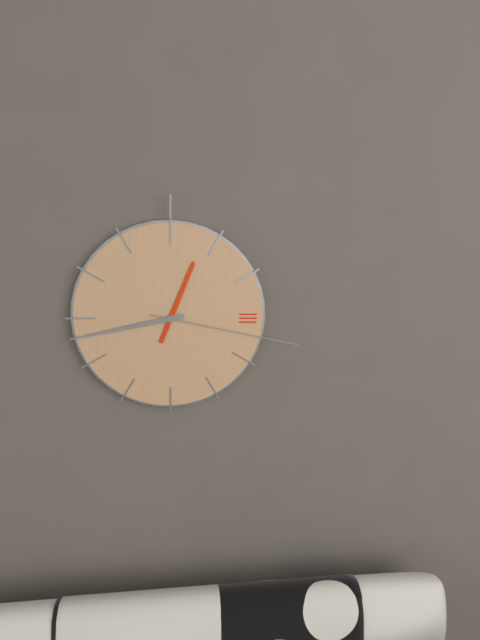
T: 12:43:17
